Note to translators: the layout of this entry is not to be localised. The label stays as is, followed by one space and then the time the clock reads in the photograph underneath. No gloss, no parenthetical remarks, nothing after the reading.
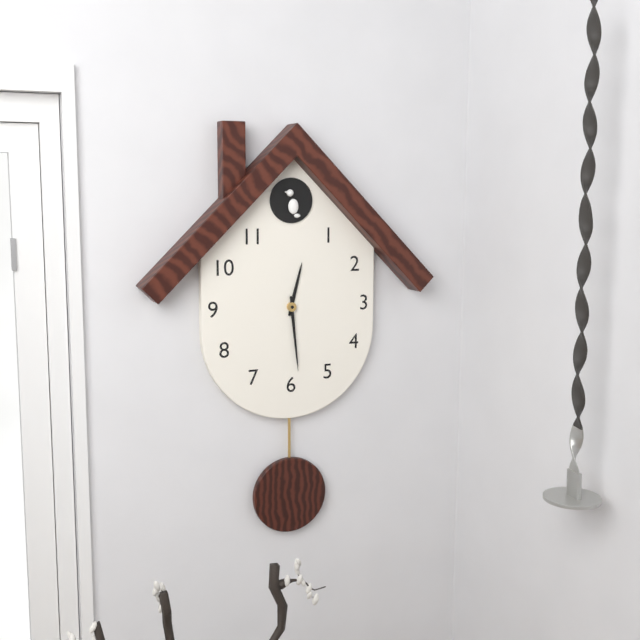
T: 12:29
